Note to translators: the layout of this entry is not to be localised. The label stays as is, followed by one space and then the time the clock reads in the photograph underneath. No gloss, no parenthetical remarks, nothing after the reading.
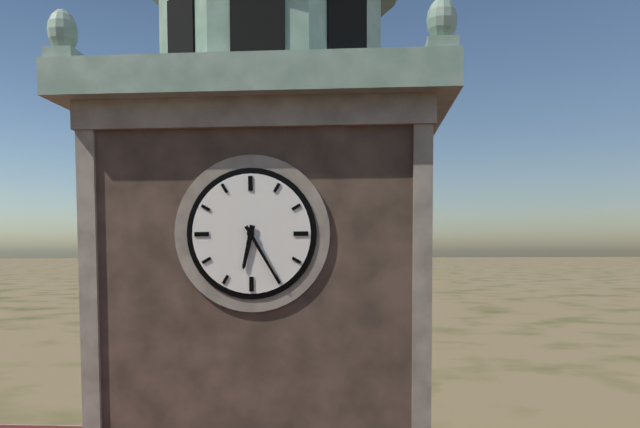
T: 6:25
